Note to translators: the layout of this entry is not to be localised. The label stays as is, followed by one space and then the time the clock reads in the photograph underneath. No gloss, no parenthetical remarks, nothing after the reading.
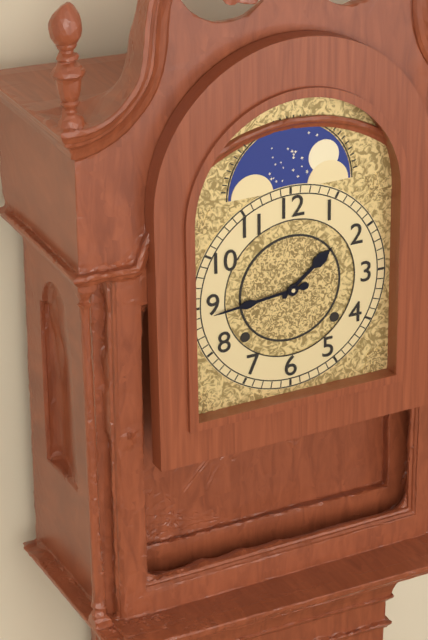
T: 1:44
